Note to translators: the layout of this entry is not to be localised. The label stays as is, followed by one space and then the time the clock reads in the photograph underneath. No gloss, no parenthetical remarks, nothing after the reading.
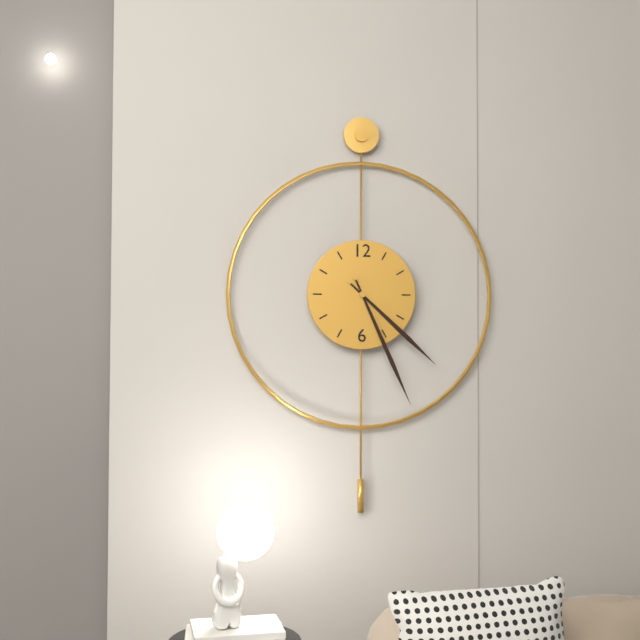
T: 4:26
